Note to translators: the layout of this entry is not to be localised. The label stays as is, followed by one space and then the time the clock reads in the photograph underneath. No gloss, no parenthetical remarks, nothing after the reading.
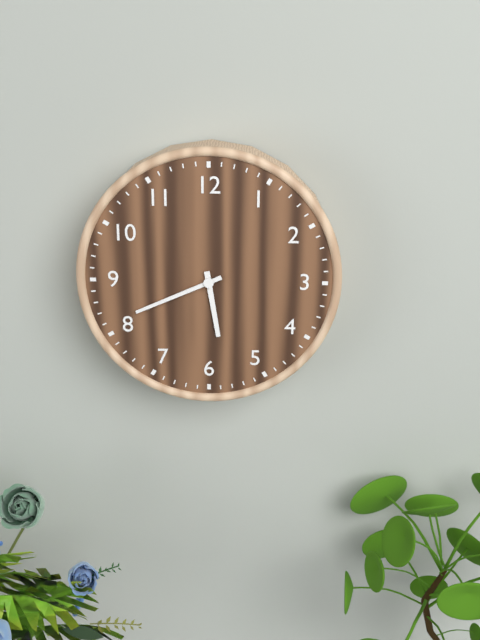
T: 5:41
